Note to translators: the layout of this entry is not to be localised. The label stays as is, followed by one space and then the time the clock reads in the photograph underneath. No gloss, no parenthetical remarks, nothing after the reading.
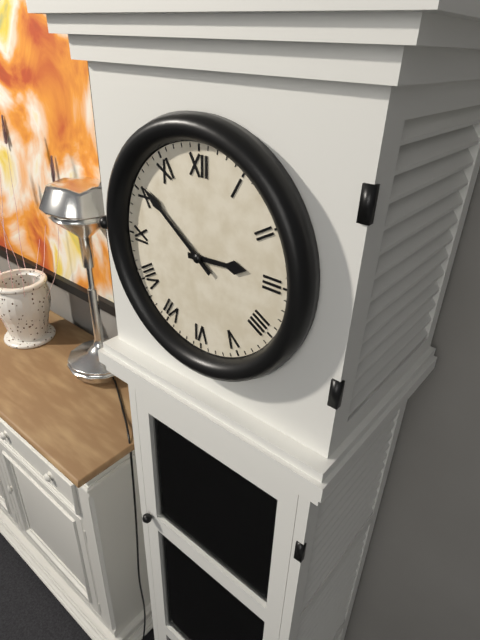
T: 2:51
